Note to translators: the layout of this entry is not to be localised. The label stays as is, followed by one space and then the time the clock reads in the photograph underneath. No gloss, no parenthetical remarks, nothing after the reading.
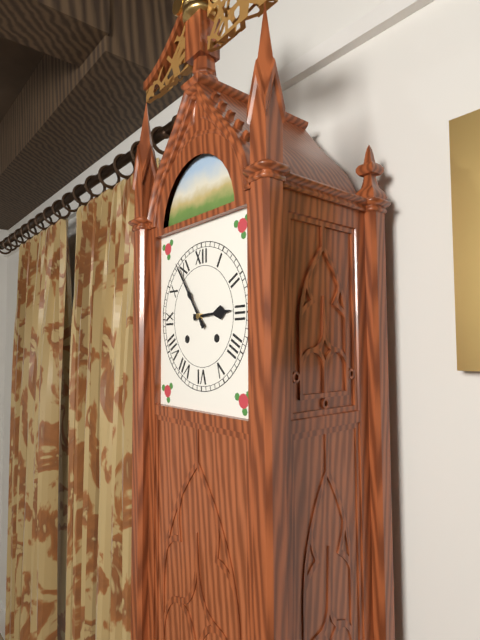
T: 2:54
